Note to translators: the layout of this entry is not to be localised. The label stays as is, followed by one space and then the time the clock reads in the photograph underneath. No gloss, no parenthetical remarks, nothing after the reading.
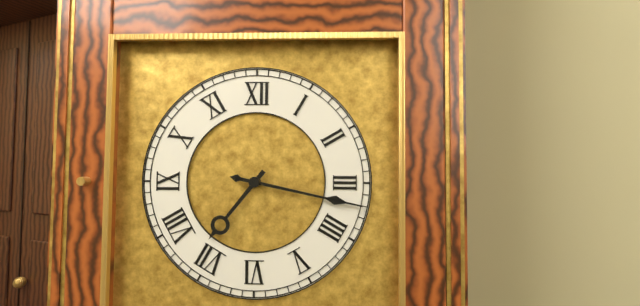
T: 7:17
